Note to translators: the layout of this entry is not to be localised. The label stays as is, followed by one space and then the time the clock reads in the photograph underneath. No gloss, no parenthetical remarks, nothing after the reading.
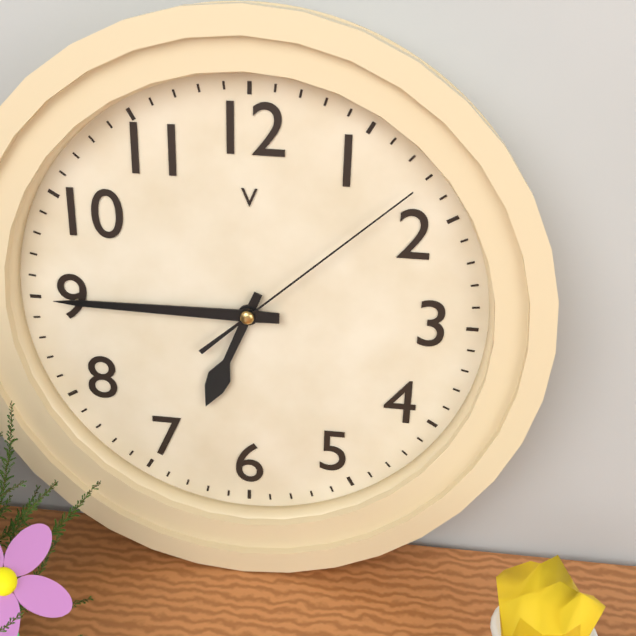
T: 6:45:08
